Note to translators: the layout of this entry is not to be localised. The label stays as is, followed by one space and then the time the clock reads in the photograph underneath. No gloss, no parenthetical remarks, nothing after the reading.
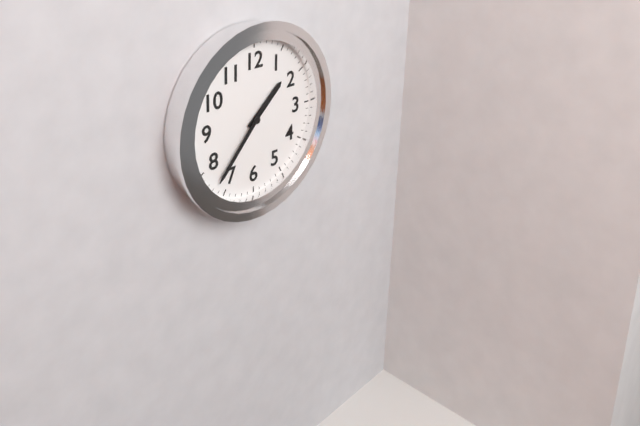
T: 1:37
